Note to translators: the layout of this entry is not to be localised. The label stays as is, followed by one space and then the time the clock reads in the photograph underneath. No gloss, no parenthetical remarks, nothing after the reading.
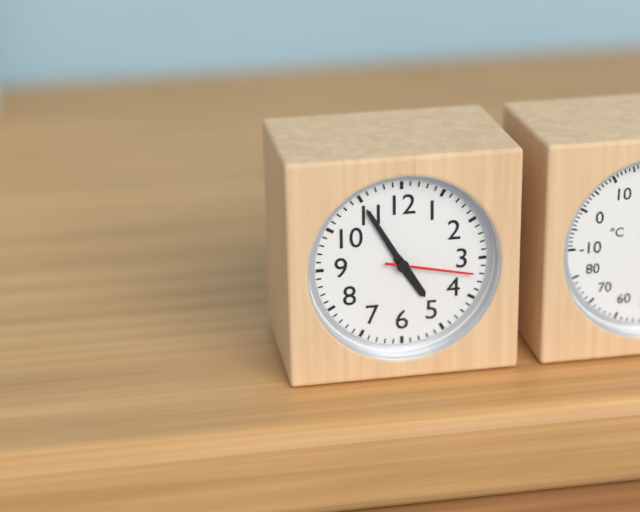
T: 4:55:17
